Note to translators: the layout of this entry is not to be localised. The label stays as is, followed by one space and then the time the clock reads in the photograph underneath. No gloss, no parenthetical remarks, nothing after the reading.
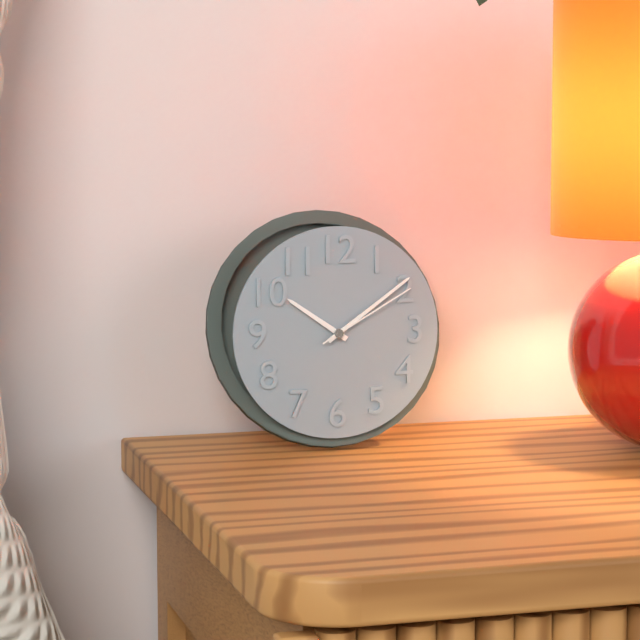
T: 10:09:10
